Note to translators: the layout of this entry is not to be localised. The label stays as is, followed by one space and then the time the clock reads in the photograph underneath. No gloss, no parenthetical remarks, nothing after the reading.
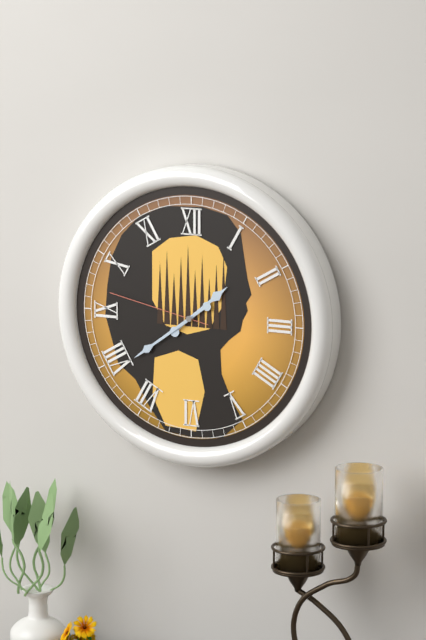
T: 1:39:47
